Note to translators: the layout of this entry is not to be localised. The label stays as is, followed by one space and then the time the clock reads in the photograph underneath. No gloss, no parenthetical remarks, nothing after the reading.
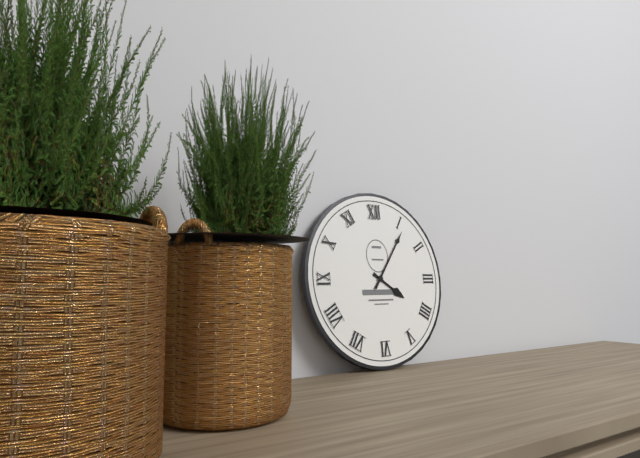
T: 4:06
